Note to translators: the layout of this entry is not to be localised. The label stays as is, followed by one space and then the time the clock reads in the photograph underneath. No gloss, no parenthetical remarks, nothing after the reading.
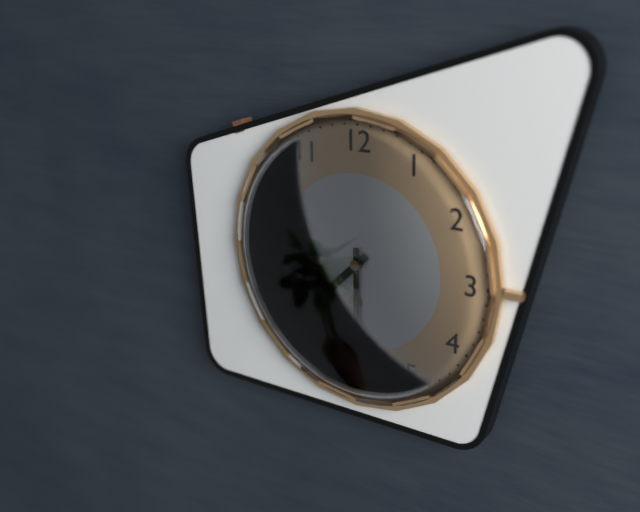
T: 7:30
